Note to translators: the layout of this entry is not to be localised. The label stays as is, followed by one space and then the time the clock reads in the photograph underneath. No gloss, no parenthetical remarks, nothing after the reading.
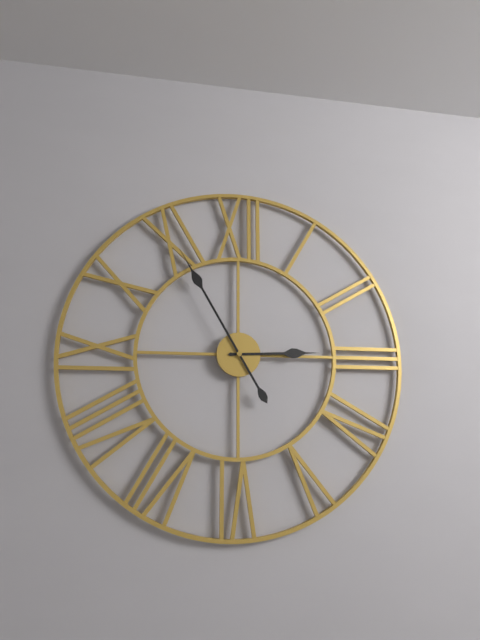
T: 2:55
